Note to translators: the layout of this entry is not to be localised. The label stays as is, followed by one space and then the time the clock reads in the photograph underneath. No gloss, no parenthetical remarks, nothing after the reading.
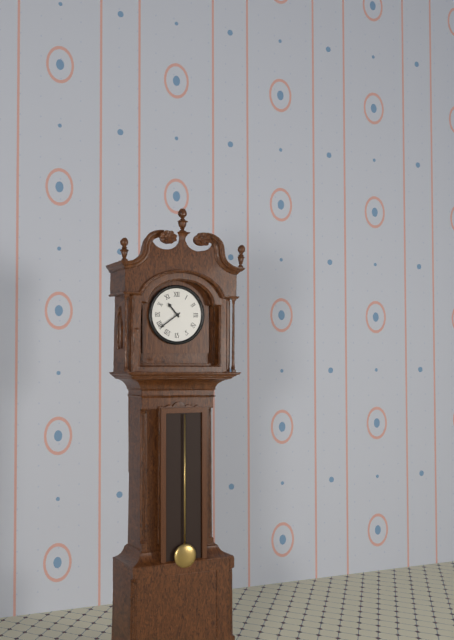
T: 10:39
